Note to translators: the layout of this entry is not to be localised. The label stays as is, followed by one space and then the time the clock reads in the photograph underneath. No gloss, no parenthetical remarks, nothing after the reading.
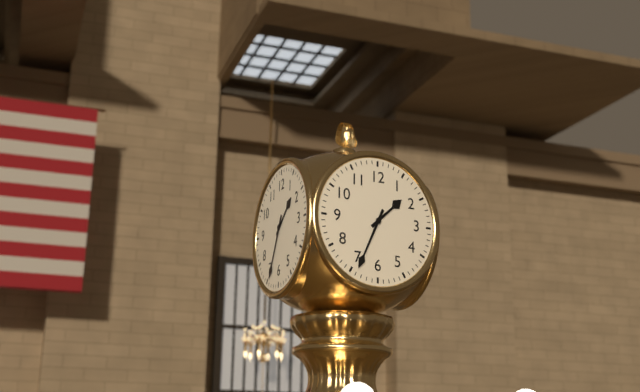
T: 1:34
